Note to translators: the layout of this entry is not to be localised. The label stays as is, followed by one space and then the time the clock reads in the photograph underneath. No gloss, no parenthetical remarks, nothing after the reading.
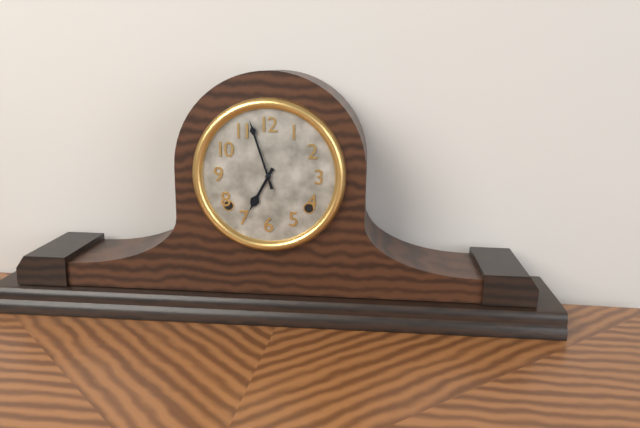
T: 6:57
